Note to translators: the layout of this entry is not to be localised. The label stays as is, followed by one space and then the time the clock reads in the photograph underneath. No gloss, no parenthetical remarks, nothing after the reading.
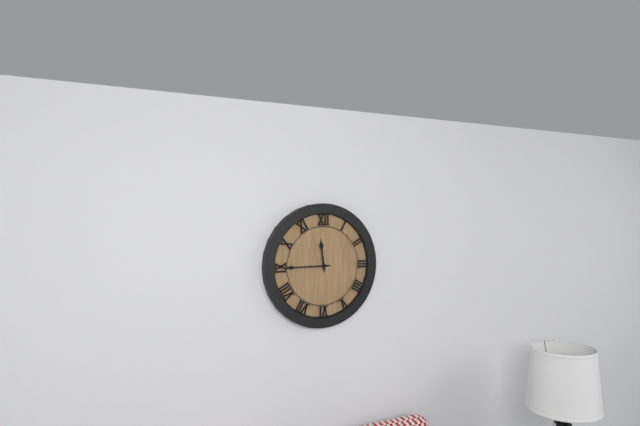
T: 11:45
